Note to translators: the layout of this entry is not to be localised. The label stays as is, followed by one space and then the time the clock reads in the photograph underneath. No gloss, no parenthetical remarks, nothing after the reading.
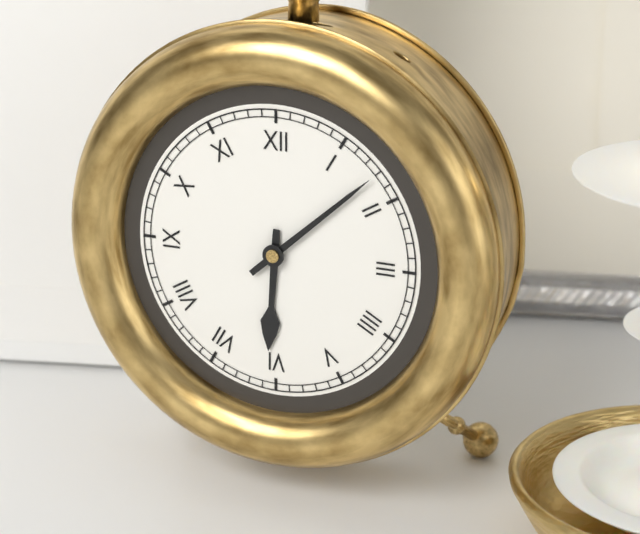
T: 6:08
